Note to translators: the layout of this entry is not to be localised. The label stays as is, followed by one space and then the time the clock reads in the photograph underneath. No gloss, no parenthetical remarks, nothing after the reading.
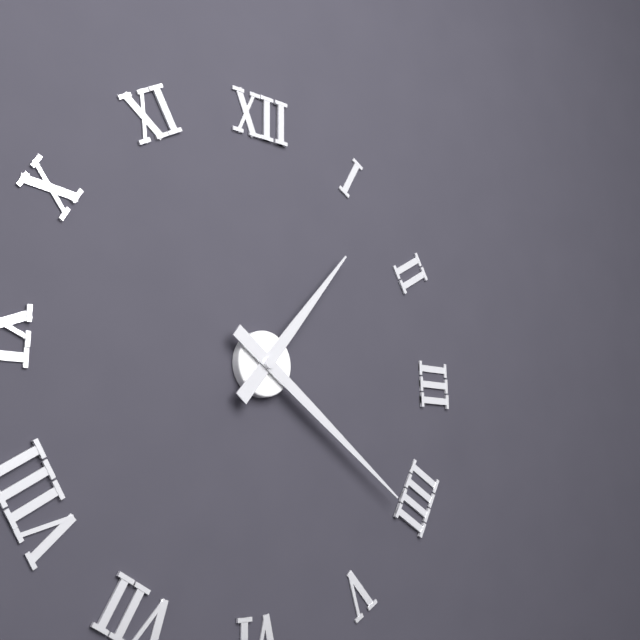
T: 1:21
